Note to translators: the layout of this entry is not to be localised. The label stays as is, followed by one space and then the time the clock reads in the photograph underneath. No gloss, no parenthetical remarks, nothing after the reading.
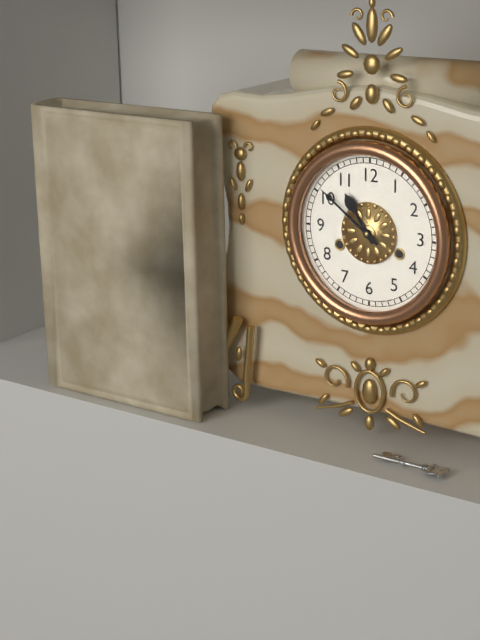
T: 10:51
